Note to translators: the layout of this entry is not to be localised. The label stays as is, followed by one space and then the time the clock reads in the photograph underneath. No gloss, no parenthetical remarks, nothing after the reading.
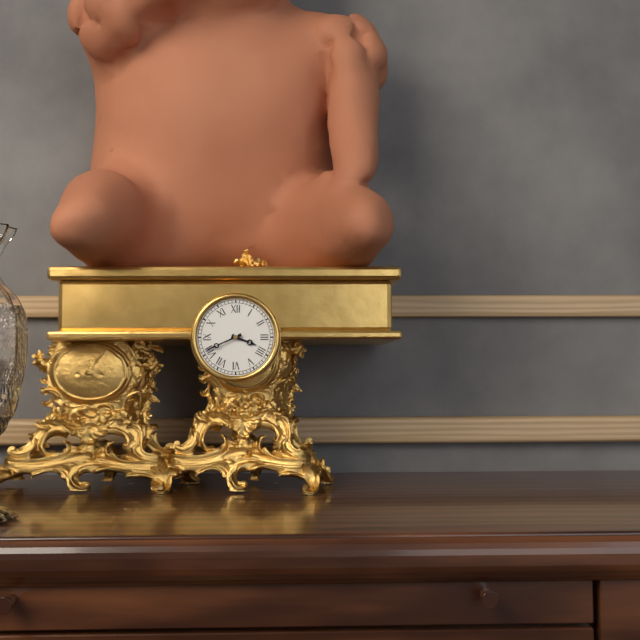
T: 3:41
